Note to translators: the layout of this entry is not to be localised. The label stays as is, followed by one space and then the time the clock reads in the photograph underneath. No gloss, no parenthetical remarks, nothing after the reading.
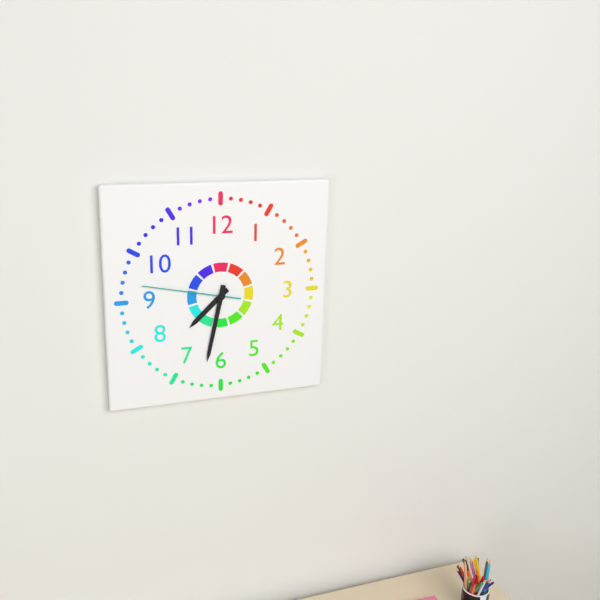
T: 7:32:47
